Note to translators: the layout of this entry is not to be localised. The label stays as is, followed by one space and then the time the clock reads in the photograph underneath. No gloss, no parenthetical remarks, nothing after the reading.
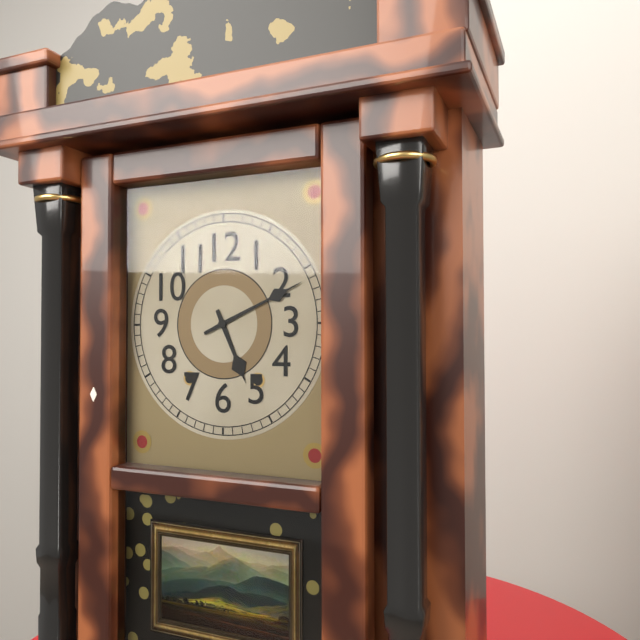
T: 5:11
